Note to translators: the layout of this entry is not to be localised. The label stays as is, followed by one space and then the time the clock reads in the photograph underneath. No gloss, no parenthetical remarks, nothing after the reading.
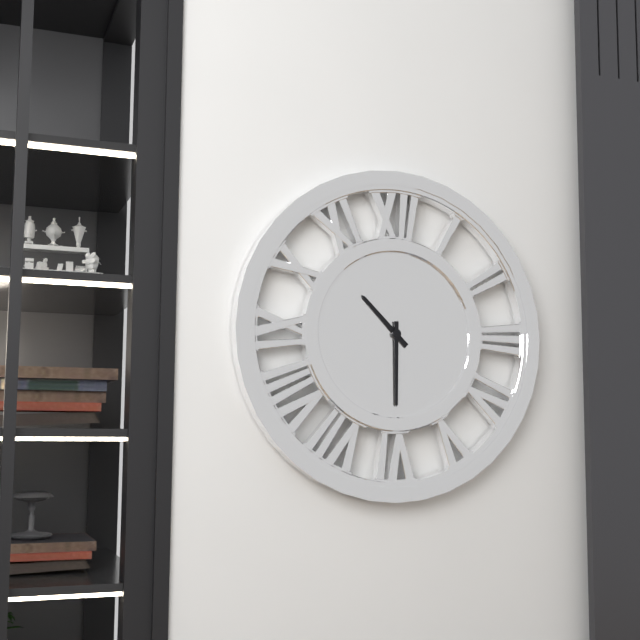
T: 10:30
